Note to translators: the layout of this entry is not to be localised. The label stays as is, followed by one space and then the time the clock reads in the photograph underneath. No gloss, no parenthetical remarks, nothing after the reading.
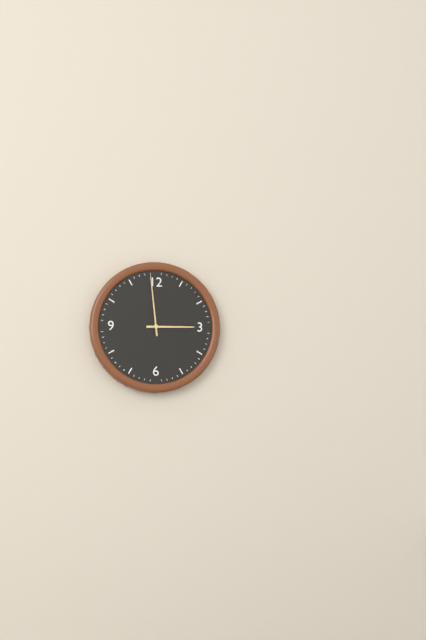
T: 2:59
